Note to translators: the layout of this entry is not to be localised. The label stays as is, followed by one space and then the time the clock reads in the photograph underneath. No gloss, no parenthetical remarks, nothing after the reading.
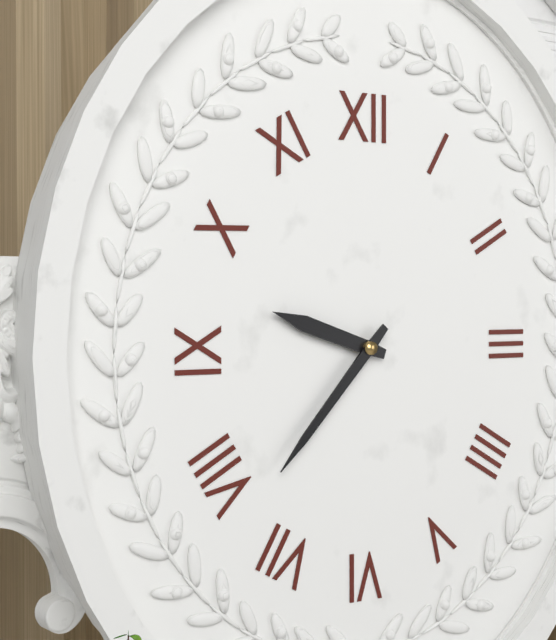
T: 9:37
